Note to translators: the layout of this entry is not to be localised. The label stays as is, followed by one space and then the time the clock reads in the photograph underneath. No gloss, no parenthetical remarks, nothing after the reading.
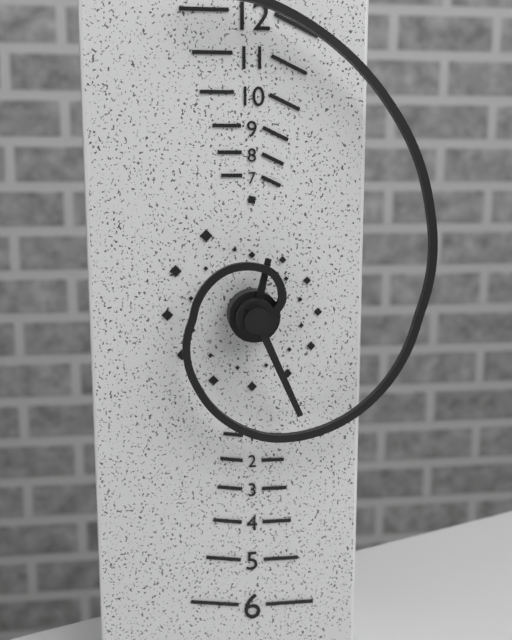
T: 12:26
